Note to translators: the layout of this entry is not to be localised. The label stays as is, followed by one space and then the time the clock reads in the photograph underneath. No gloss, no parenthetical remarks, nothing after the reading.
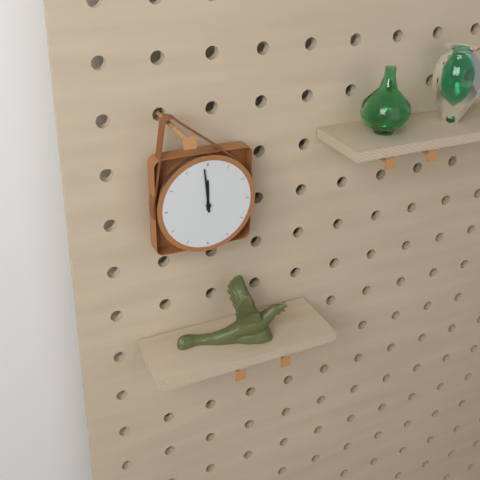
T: 11:59
